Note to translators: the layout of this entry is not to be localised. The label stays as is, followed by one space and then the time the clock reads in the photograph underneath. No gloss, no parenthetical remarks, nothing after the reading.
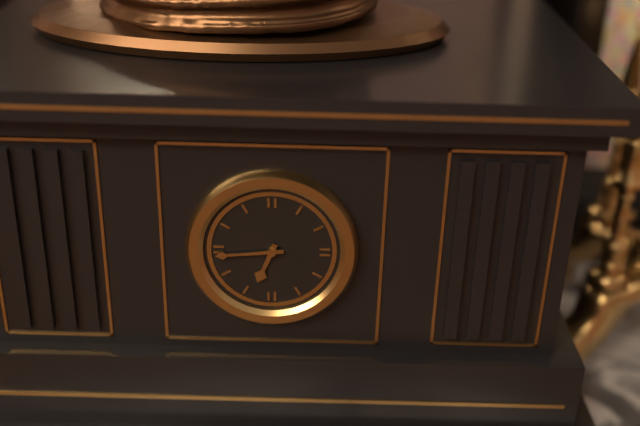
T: 6:44
